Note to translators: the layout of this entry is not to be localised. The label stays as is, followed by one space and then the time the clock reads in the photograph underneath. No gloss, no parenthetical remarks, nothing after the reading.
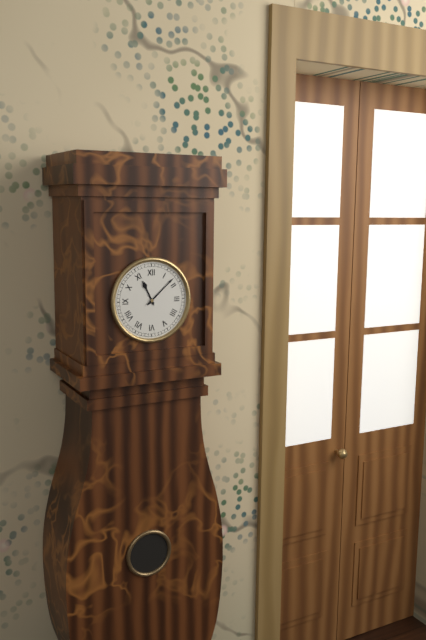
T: 11:08
